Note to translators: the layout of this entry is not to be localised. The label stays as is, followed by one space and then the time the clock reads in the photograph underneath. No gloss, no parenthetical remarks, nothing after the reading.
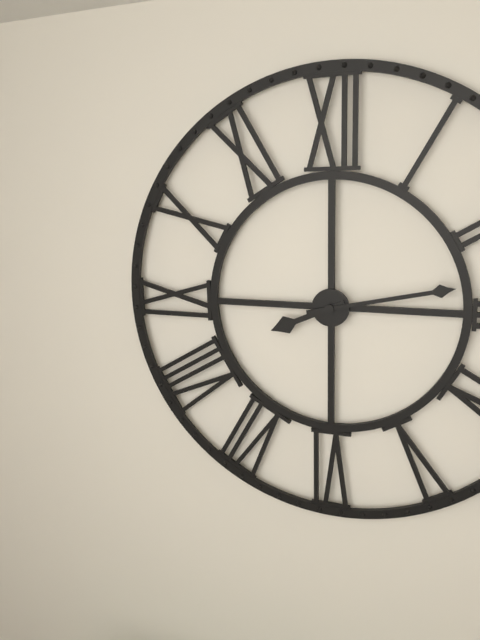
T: 8:13
